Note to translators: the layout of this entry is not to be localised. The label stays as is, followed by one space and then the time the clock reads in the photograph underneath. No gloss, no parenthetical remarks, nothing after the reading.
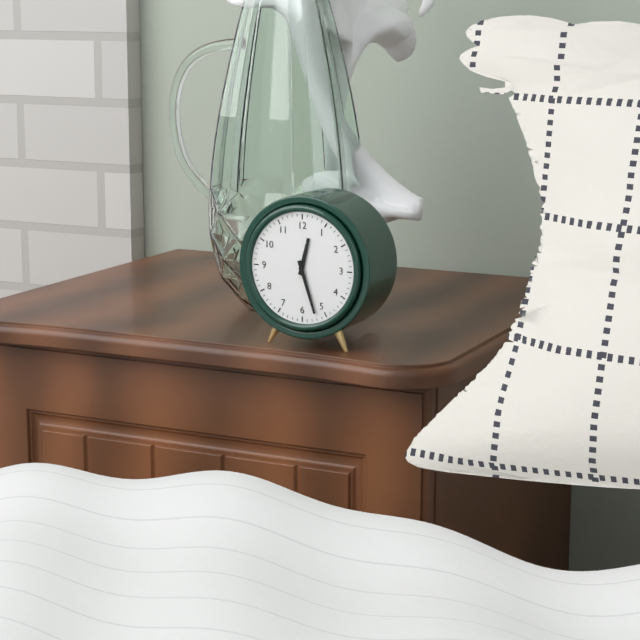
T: 12:27
